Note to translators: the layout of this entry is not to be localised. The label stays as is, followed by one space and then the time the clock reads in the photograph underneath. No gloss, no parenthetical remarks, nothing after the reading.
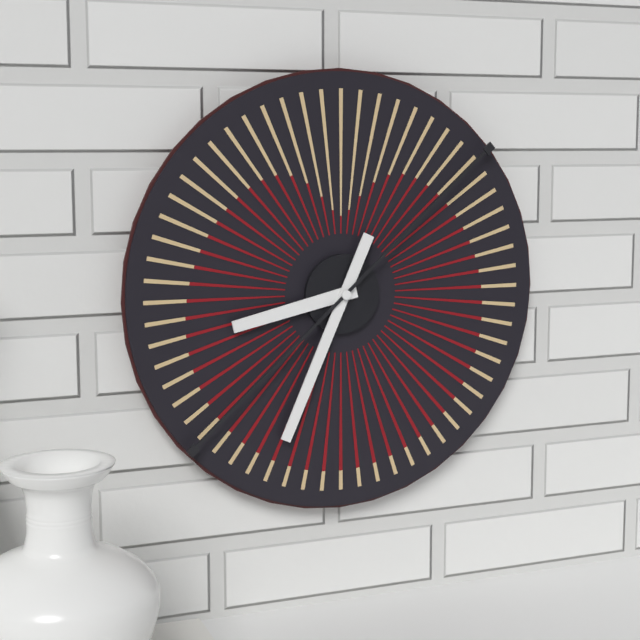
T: 8:34
